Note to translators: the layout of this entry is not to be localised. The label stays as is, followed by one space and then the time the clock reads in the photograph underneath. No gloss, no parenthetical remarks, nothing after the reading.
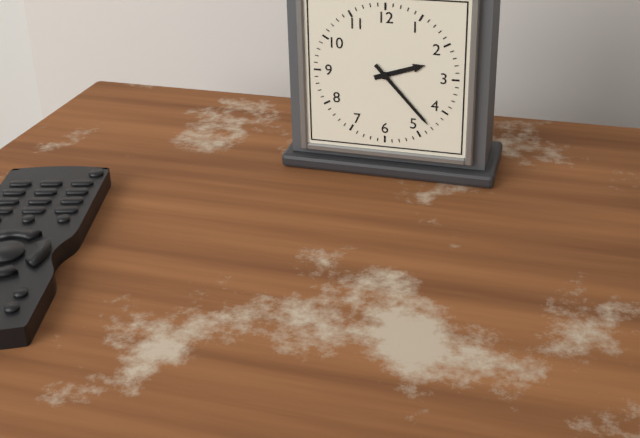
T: 2:23
